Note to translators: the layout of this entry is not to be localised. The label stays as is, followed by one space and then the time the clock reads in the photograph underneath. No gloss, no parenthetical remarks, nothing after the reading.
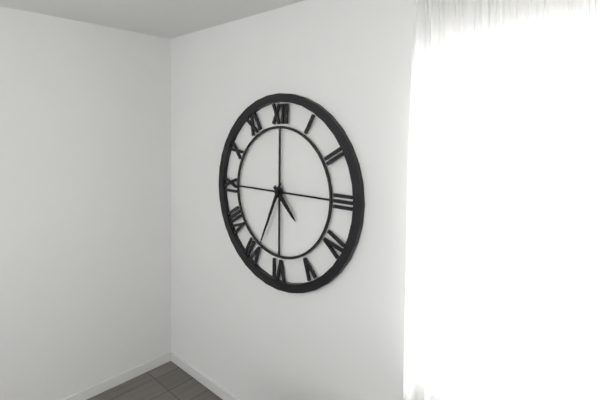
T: 4:34
